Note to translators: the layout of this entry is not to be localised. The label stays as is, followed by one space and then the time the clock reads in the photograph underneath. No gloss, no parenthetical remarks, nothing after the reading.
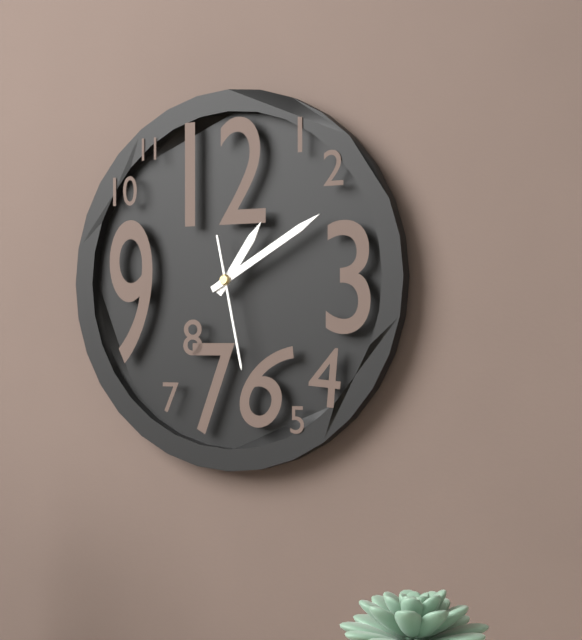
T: 1:10:28
